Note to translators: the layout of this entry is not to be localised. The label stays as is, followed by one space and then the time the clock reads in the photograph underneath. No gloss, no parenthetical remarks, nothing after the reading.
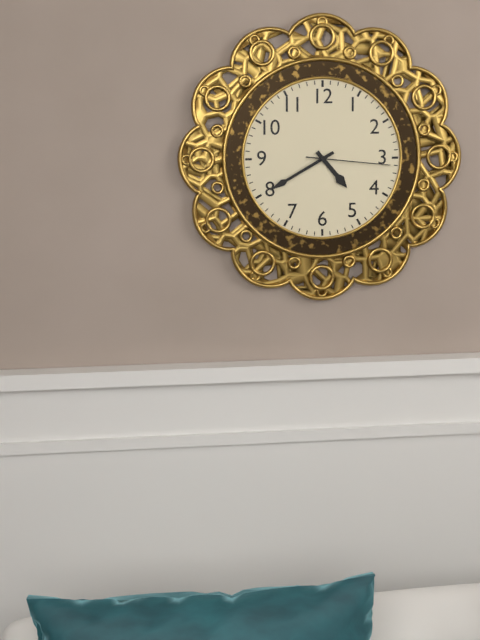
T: 4:40:16
